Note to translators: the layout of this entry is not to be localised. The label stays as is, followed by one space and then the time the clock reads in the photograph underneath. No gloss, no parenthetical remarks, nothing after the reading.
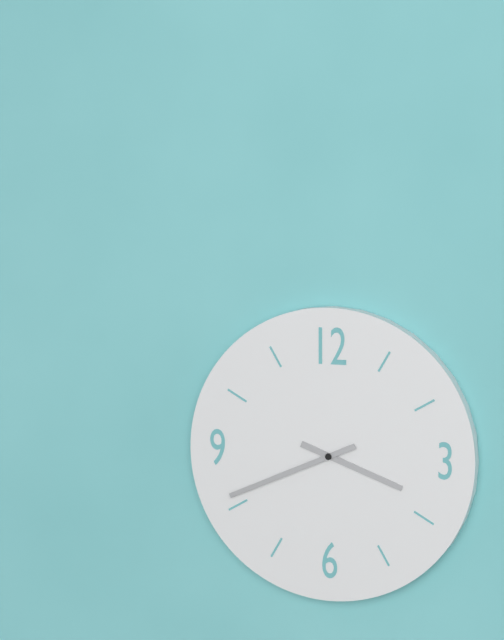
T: 3:41
